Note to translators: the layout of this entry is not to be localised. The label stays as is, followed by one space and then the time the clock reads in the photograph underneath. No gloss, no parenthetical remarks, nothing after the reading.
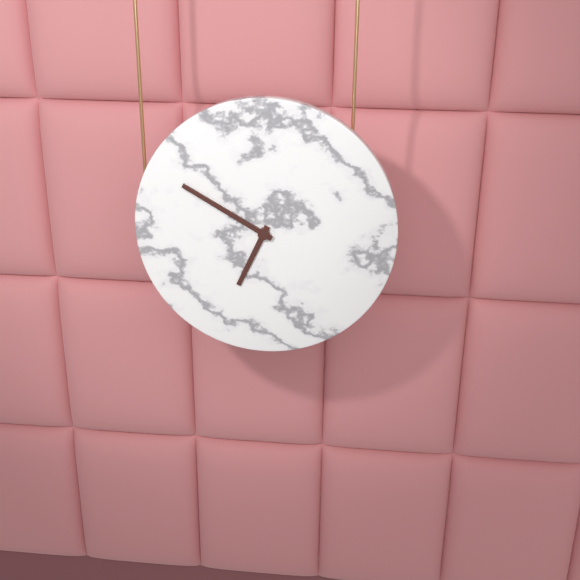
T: 6:50
